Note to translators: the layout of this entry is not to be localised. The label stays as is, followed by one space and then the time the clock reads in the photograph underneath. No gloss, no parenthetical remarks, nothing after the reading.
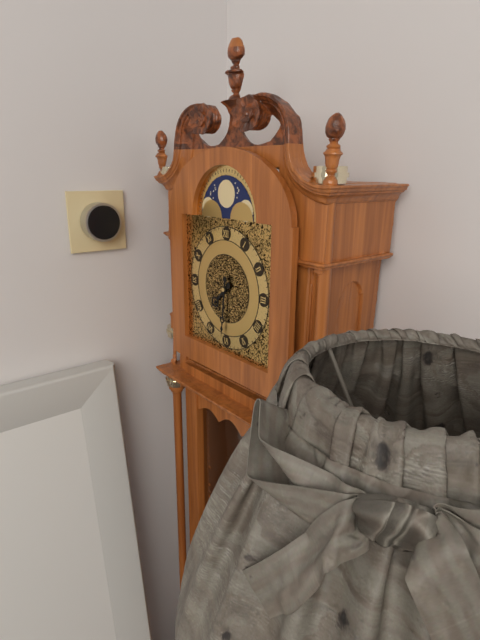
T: 7:31
